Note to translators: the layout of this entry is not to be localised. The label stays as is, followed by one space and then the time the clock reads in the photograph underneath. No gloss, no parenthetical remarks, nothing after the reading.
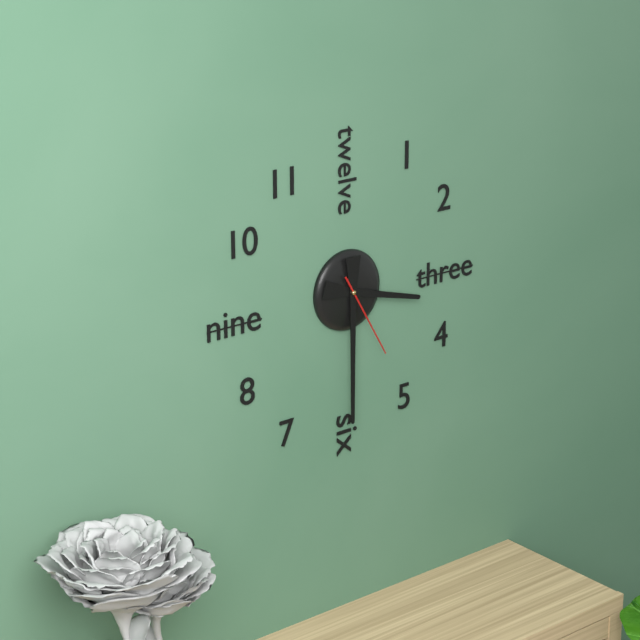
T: 3:30:25
